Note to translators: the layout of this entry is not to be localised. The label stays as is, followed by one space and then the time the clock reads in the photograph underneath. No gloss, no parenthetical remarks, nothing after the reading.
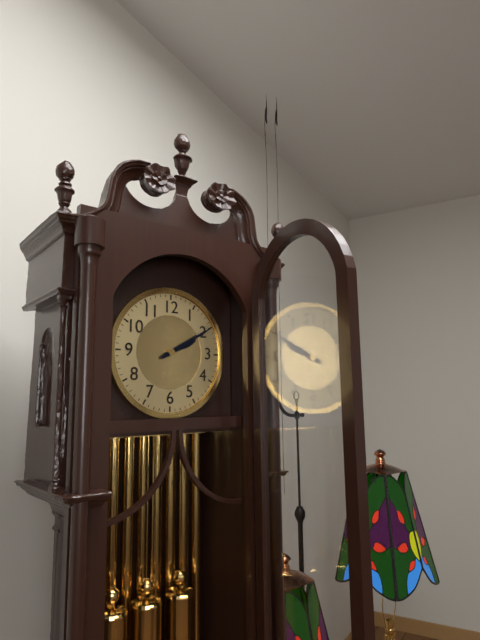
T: 2:10
